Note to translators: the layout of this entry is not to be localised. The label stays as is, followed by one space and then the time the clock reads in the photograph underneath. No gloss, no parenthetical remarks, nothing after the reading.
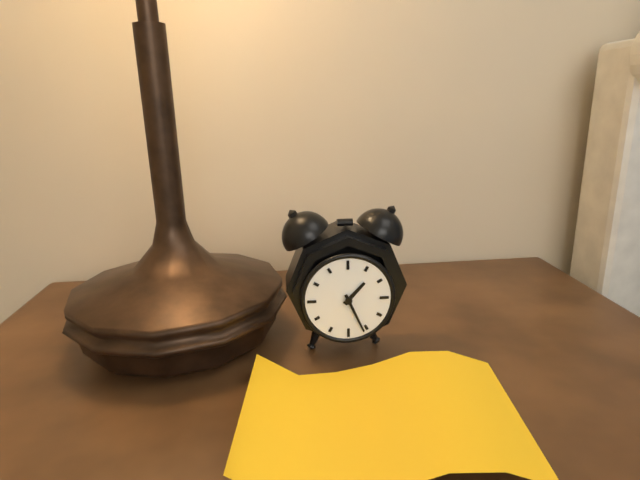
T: 1:26
